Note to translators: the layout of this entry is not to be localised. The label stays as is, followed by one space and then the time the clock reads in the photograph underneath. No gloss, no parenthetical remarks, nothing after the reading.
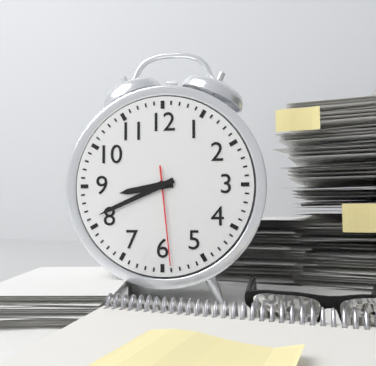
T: 8:41:29
